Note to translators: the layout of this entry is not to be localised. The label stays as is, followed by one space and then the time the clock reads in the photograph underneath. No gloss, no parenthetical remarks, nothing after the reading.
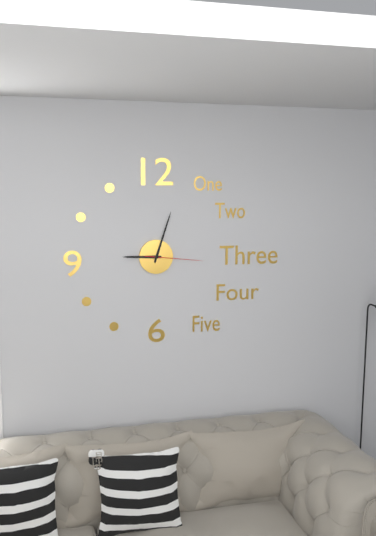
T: 9:03:16
